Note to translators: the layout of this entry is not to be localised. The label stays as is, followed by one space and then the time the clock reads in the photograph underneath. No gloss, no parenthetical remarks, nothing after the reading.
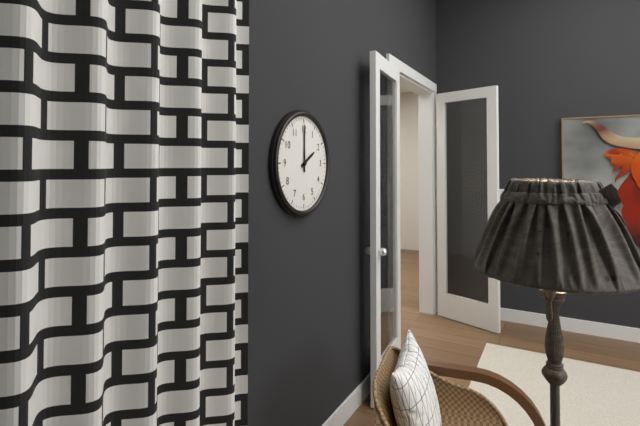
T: 2:00
